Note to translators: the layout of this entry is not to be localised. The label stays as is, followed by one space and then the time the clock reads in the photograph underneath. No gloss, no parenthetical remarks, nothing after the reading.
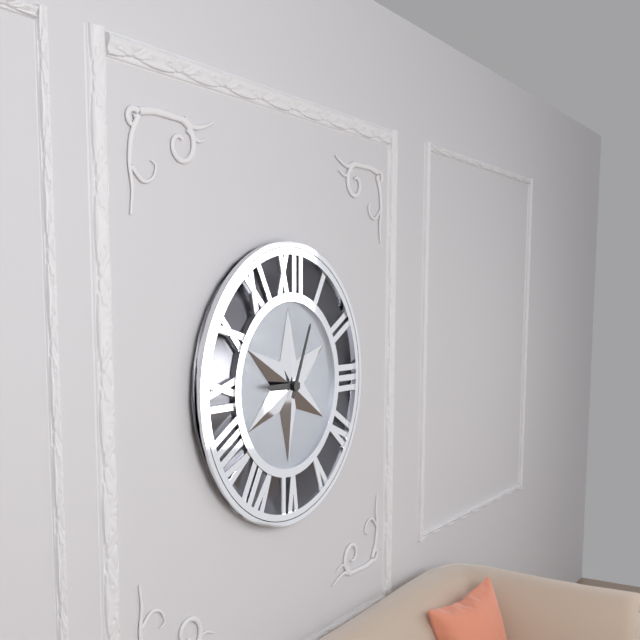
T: 9:04
